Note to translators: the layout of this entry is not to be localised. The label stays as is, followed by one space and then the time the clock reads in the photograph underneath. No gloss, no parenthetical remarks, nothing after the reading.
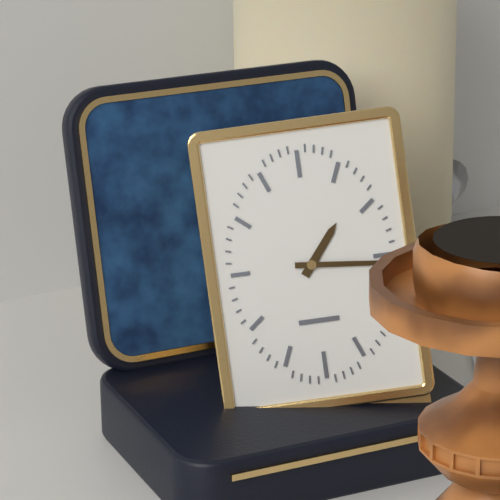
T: 1:16
